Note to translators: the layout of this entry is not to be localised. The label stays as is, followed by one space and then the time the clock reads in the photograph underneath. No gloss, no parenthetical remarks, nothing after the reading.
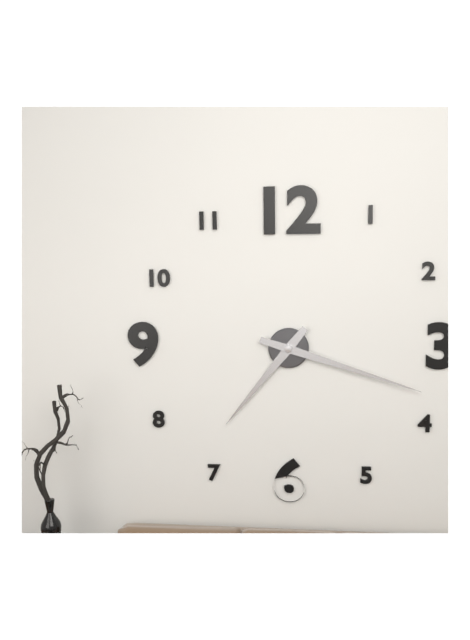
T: 7:18
